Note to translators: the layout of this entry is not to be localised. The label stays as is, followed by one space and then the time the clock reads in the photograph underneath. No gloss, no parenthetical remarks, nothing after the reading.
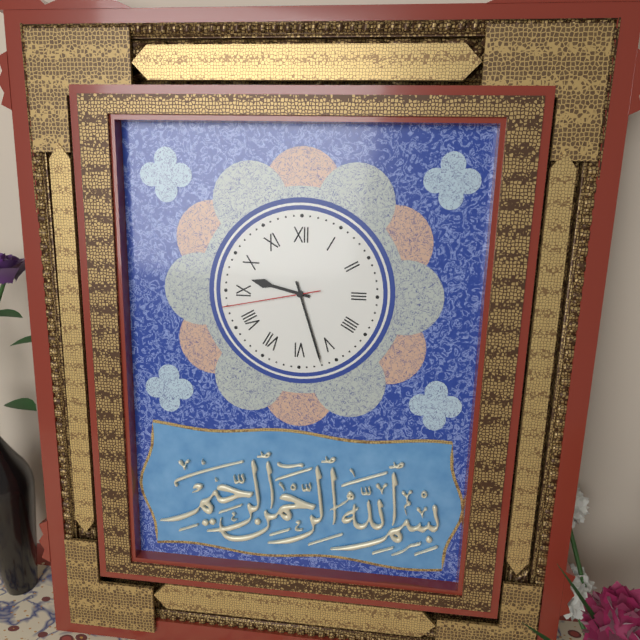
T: 9:27:43
